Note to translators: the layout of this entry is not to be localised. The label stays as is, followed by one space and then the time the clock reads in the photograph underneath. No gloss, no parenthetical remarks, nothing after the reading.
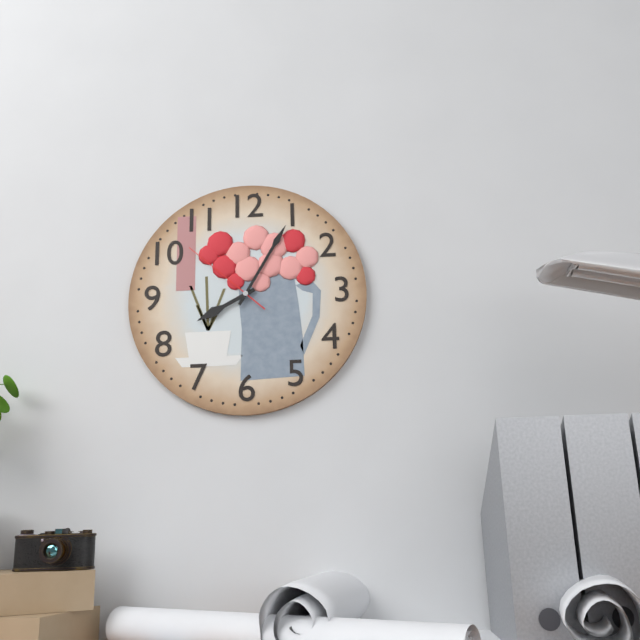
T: 8:05:52
